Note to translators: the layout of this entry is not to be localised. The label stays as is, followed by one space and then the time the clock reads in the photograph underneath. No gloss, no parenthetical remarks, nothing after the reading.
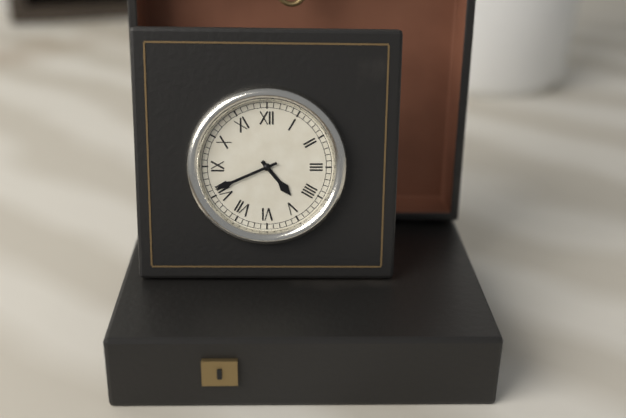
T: 4:41
